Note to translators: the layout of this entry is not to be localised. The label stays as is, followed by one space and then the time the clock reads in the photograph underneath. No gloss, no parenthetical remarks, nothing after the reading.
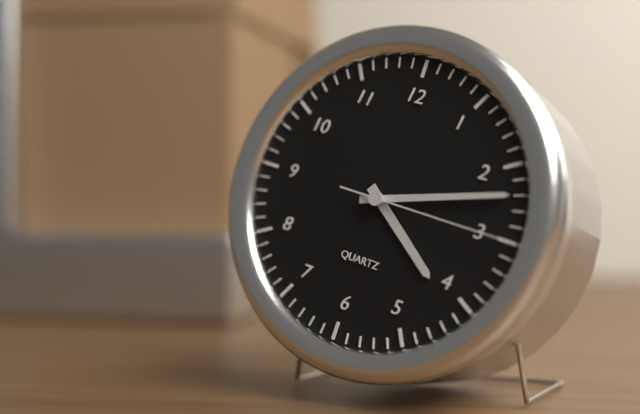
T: 4:12:15
